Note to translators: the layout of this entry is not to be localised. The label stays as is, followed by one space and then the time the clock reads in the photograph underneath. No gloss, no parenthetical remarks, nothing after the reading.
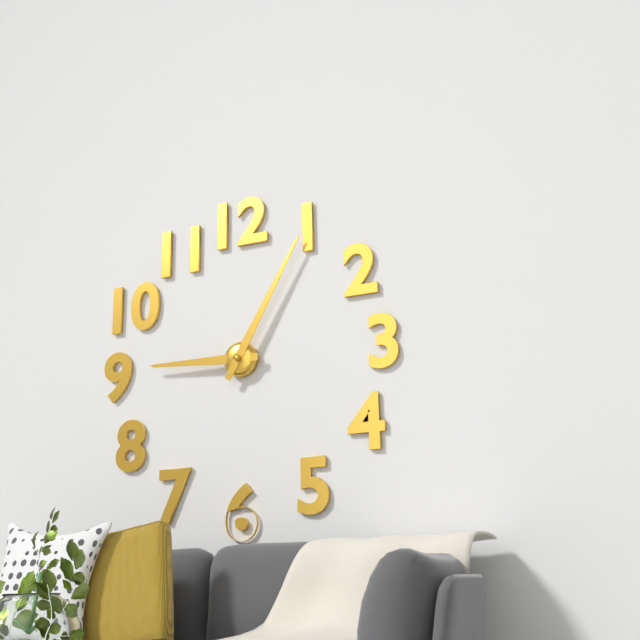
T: 9:05
